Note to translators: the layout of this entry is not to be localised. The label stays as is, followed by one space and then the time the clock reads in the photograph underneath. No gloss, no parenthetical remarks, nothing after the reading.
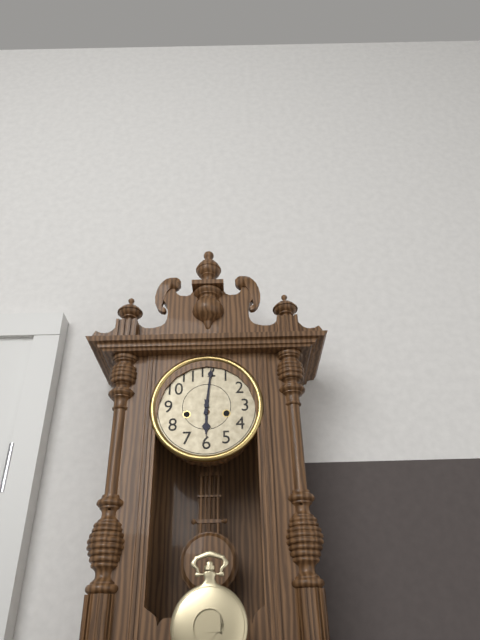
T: 6:01
